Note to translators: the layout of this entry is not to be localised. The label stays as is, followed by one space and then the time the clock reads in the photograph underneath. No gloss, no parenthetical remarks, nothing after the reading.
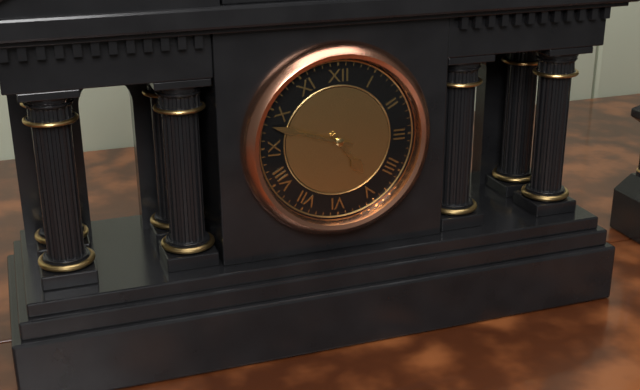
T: 4:48
